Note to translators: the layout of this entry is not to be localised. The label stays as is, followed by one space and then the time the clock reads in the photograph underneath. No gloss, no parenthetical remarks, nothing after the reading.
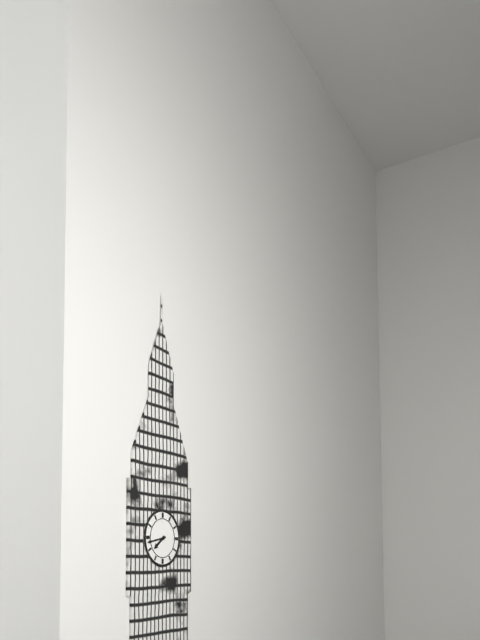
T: 7:43
